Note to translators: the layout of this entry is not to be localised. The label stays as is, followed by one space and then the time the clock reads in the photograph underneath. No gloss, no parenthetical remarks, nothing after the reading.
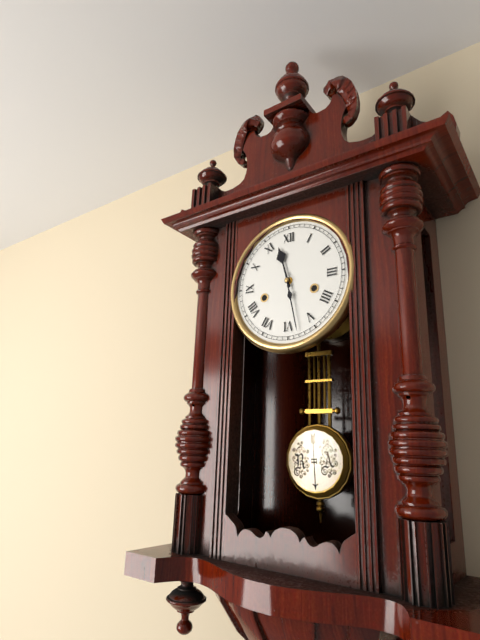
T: 11:28
